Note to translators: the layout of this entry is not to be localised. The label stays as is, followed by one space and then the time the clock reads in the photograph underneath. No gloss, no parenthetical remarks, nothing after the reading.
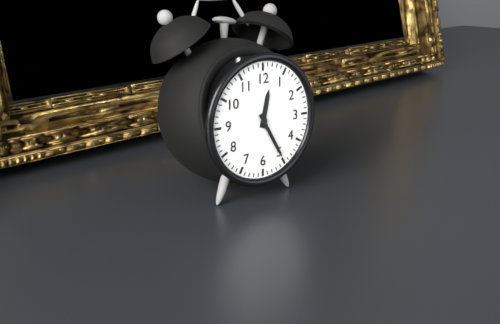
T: 12:25
